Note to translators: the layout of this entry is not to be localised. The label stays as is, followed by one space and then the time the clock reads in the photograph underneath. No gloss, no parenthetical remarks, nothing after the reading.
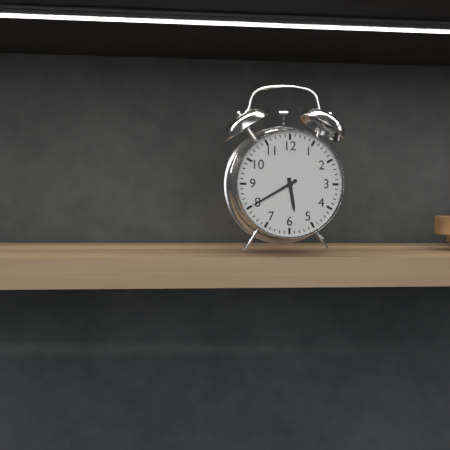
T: 5:40
